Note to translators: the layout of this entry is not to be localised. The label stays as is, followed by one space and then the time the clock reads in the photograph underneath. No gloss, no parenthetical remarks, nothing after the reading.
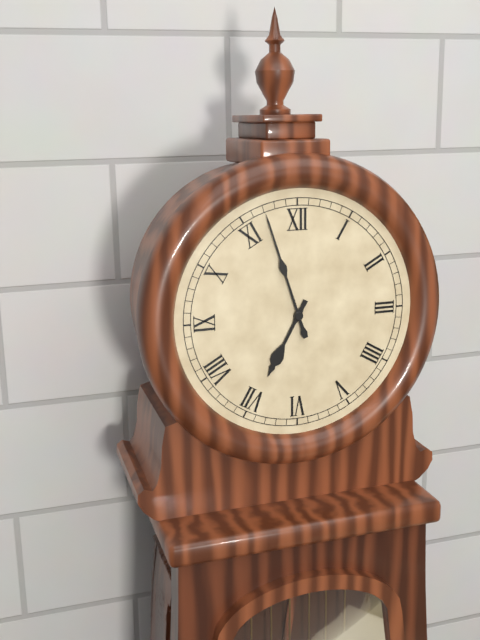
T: 6:57
